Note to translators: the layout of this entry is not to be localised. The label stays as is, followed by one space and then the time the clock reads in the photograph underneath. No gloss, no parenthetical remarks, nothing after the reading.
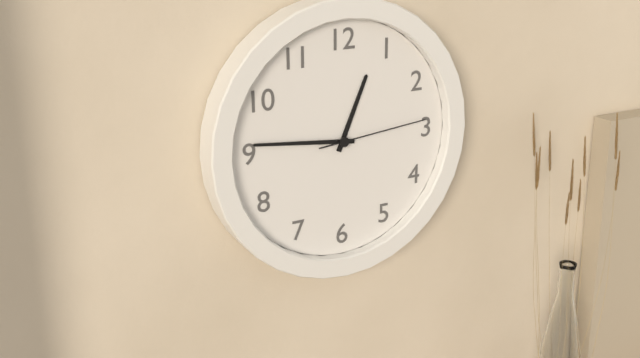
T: 12:46:14
